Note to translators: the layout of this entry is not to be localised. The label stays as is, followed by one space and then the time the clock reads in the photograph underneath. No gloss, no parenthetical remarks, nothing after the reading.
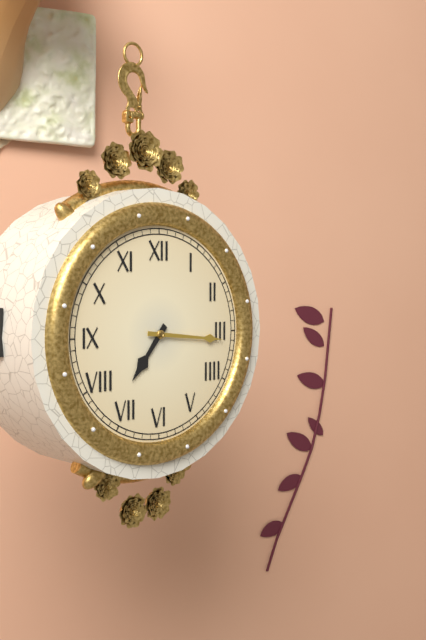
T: 7:16
